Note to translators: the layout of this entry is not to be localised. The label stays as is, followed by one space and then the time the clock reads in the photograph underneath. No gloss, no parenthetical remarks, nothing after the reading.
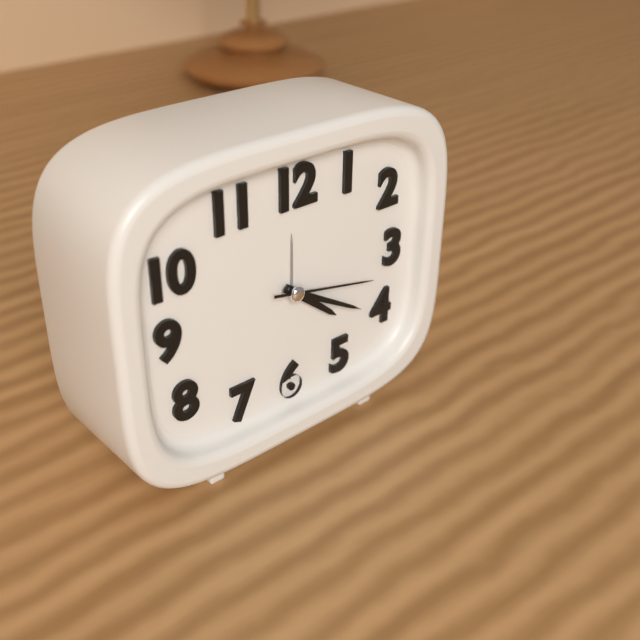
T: 4:20:17
